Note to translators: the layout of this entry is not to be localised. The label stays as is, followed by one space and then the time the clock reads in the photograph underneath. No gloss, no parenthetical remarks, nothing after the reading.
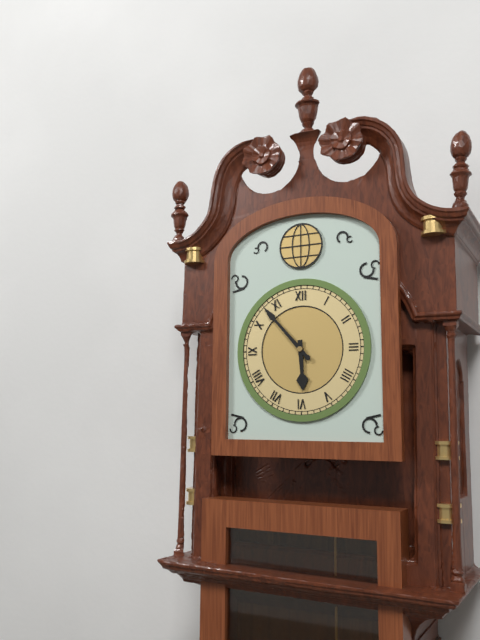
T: 5:53
